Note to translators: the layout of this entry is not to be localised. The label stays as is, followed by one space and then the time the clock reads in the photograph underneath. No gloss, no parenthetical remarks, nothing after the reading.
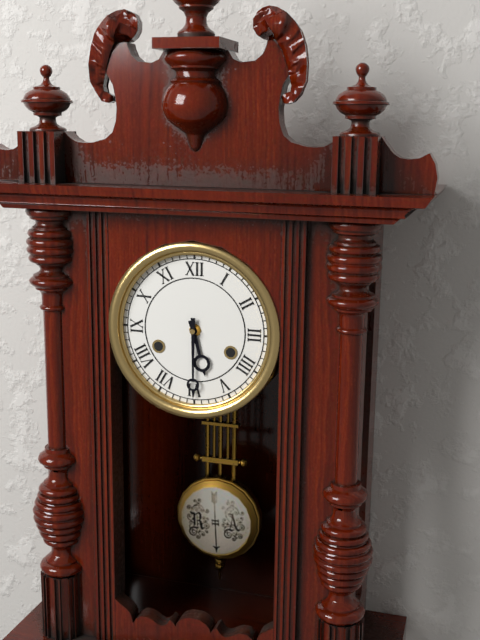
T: 5:30
